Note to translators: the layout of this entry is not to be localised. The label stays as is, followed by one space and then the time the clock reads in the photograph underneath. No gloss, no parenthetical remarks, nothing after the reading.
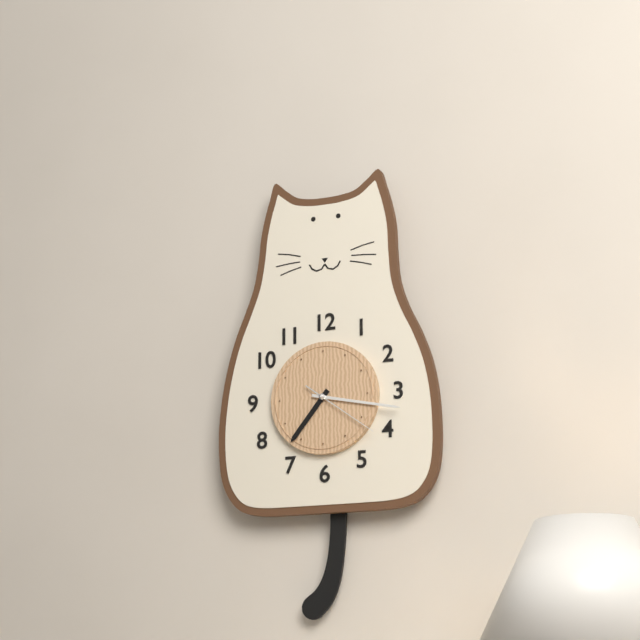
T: 7:17:21
